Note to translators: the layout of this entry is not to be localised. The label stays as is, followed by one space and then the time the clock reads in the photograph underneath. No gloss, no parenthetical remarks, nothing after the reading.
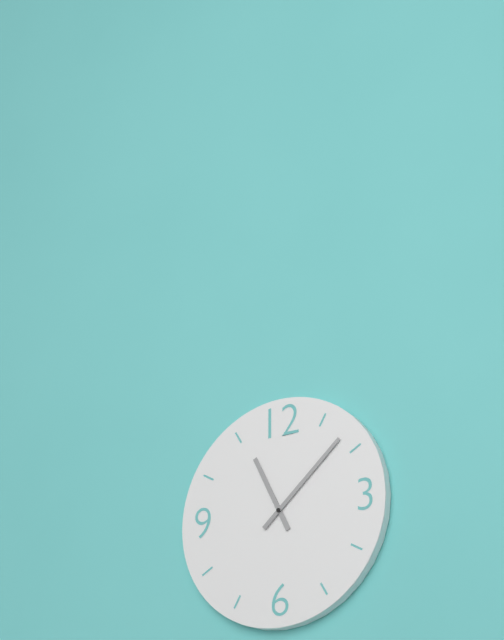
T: 11:08
